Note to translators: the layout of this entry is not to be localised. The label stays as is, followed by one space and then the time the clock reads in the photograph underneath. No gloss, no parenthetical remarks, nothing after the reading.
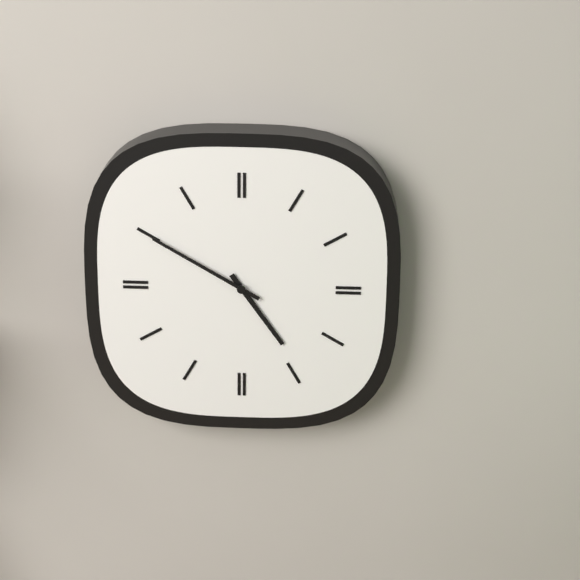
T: 4:50
